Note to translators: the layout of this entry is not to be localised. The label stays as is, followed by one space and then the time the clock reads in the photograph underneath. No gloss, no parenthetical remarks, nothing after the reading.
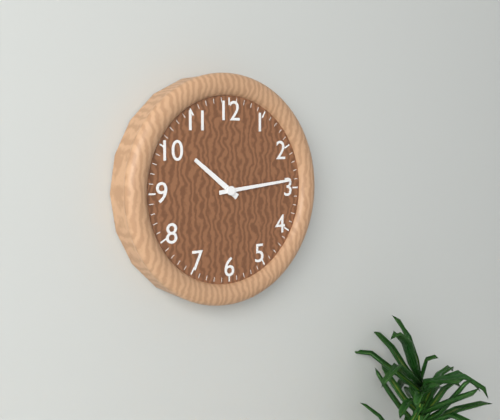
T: 10:14
